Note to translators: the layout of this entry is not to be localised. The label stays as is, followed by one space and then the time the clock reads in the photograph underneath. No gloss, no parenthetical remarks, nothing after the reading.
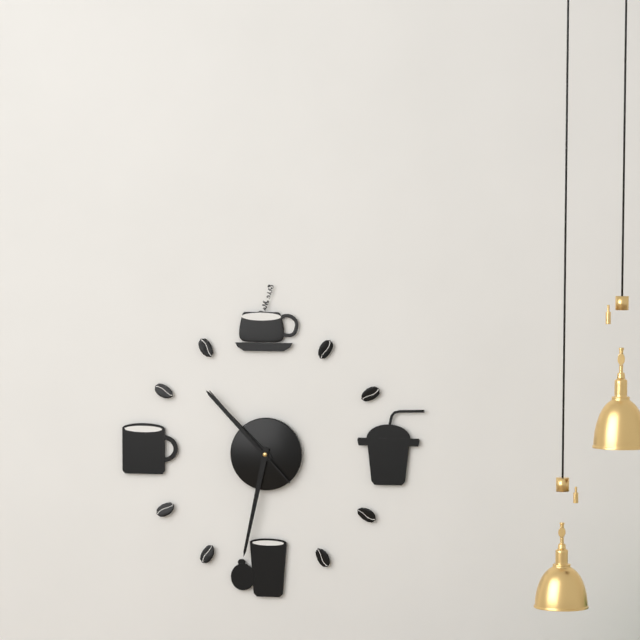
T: 10:32:53
